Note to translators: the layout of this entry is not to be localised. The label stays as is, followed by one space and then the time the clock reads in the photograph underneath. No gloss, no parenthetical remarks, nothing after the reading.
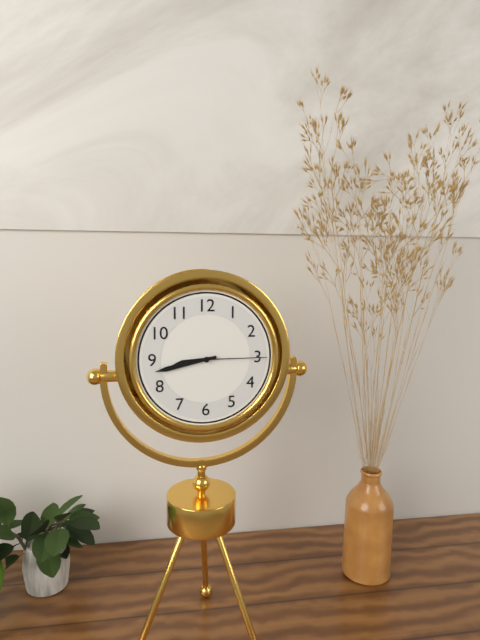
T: 8:43:15
